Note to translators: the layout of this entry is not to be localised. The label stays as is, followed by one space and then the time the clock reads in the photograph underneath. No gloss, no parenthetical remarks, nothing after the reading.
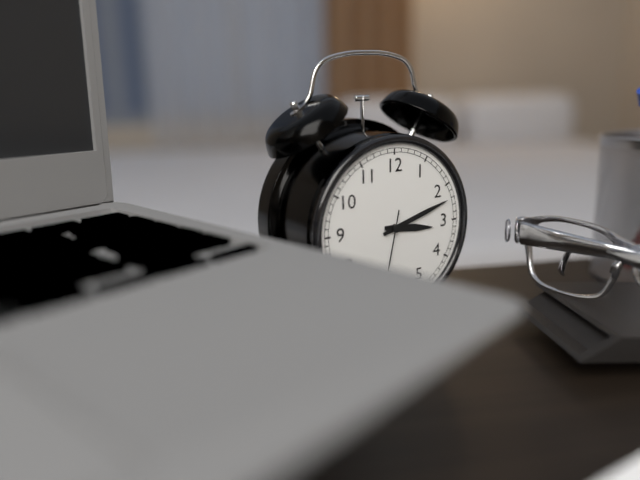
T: 3:12
